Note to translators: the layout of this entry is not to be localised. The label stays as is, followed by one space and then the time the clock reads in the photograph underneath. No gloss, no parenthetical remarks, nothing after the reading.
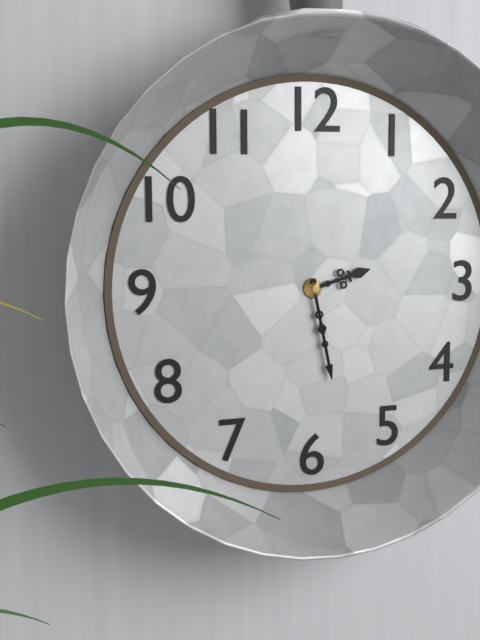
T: 2:28
